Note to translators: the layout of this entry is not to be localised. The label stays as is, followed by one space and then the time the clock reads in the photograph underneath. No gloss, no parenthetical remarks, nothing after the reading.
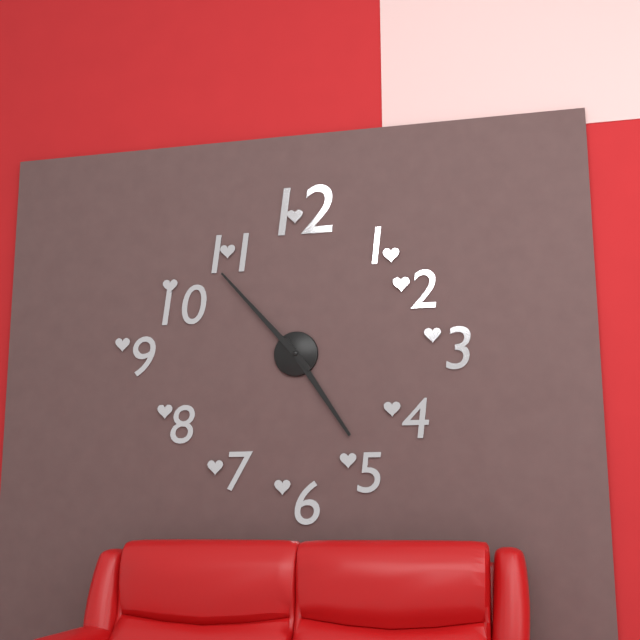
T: 4:53
